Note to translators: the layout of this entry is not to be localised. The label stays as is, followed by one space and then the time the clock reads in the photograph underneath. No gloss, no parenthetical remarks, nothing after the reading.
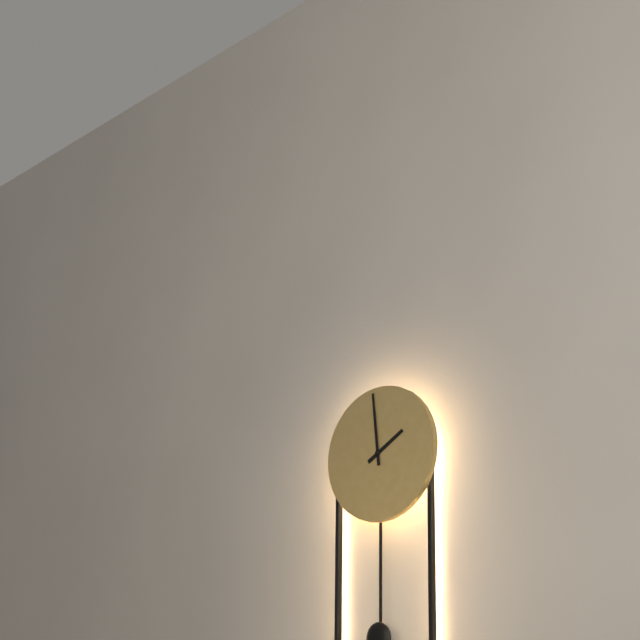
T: 1:59
